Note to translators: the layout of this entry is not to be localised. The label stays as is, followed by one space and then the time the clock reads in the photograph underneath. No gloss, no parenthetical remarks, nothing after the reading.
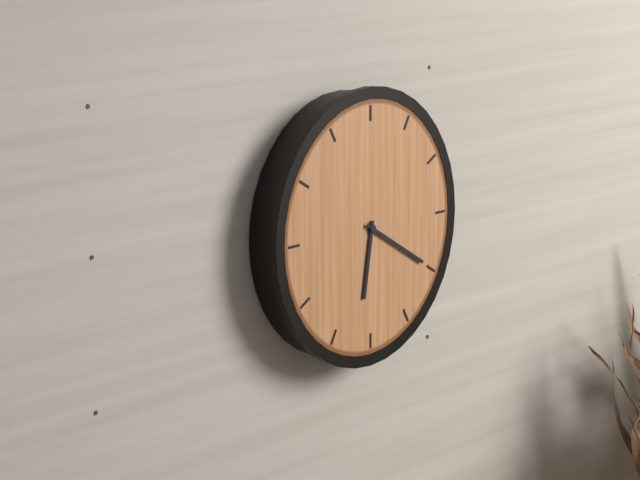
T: 6:20
